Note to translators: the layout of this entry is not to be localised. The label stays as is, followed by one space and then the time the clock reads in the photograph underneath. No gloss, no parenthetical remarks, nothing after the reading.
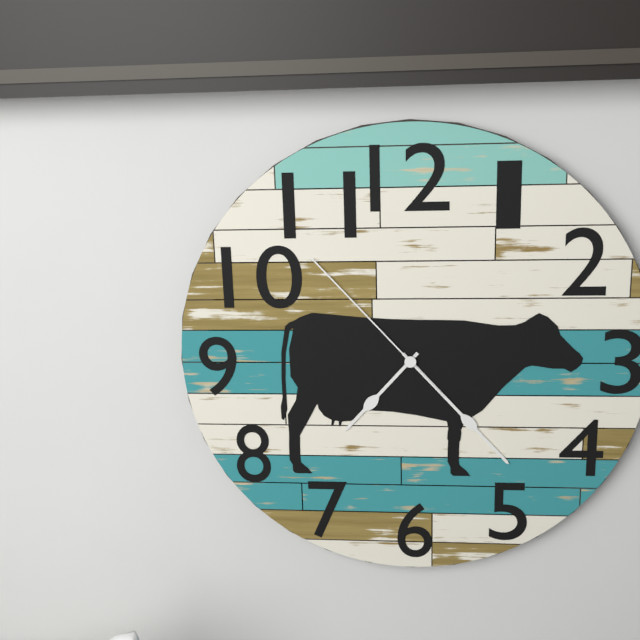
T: 7:23:53
